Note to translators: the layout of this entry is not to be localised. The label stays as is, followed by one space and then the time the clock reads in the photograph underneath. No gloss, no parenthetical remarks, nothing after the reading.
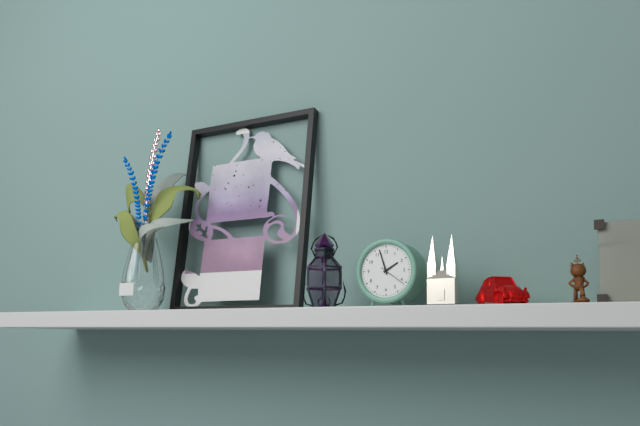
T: 1:57
